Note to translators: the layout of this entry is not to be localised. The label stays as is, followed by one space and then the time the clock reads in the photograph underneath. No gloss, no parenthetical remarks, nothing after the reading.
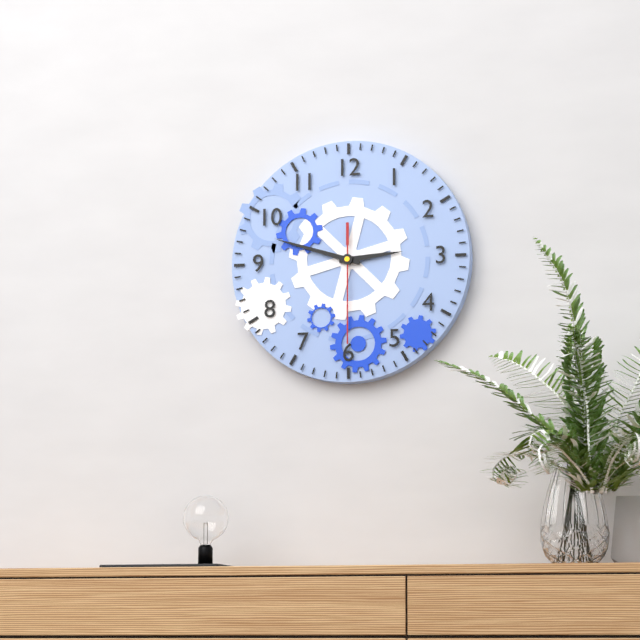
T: 2:48:30
